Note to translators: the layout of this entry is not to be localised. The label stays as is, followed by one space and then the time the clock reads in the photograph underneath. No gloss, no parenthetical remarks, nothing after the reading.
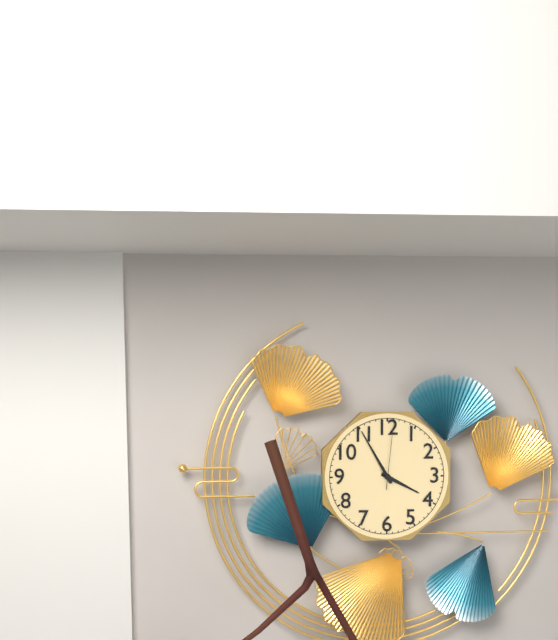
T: 3:55:01
